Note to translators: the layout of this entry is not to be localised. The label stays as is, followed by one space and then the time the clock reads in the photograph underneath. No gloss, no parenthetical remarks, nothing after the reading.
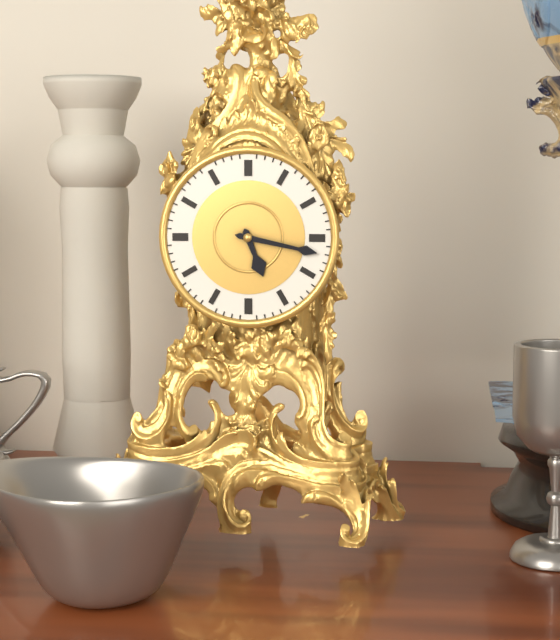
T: 5:17
